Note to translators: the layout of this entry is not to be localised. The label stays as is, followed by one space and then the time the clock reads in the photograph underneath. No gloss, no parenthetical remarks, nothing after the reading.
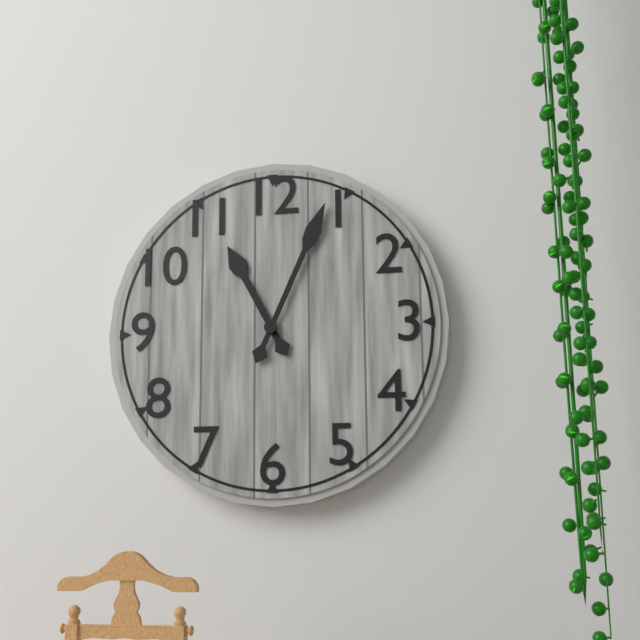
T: 11:04
